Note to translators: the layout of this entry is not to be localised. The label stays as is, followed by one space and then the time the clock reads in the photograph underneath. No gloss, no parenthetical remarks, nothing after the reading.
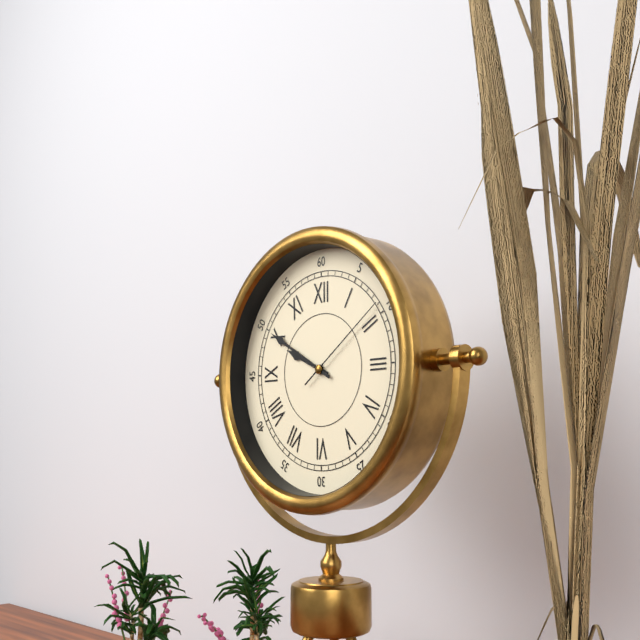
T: 9:50:09
